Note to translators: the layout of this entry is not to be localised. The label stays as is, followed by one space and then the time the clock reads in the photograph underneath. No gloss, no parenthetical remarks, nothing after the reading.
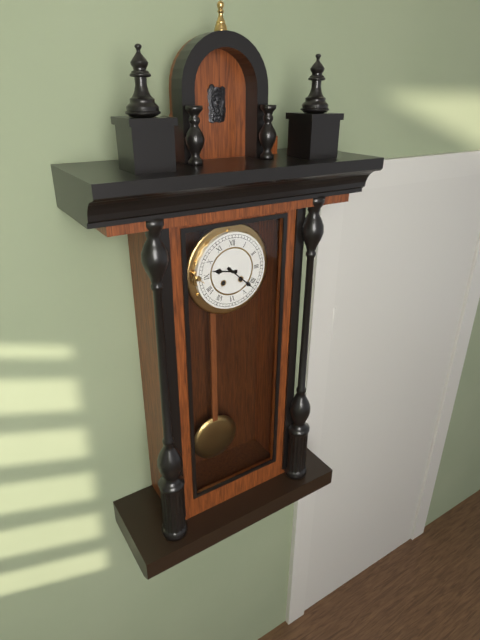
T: 9:22
